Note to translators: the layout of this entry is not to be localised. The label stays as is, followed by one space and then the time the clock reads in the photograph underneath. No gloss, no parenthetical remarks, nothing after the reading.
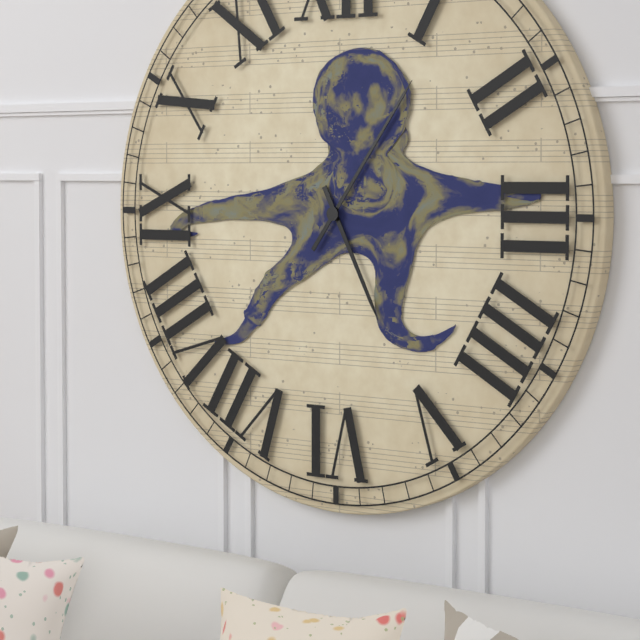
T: 5:06
